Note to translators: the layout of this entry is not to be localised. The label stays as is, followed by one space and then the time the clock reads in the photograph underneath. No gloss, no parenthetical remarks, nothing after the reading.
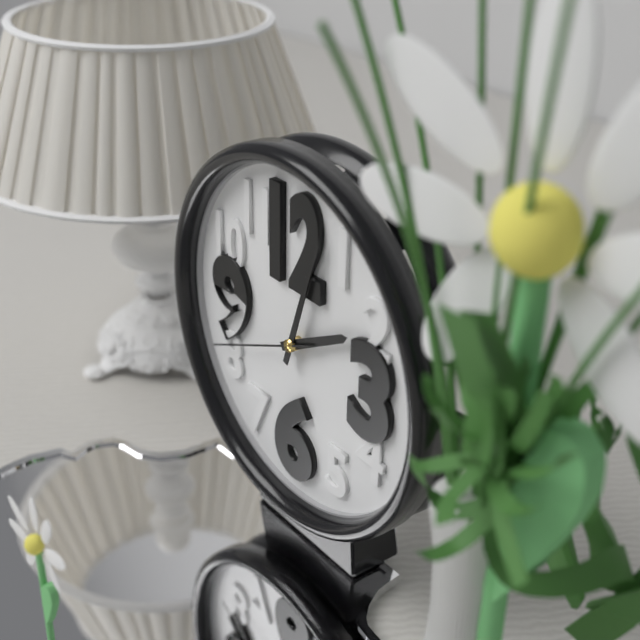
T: 2:03:41
